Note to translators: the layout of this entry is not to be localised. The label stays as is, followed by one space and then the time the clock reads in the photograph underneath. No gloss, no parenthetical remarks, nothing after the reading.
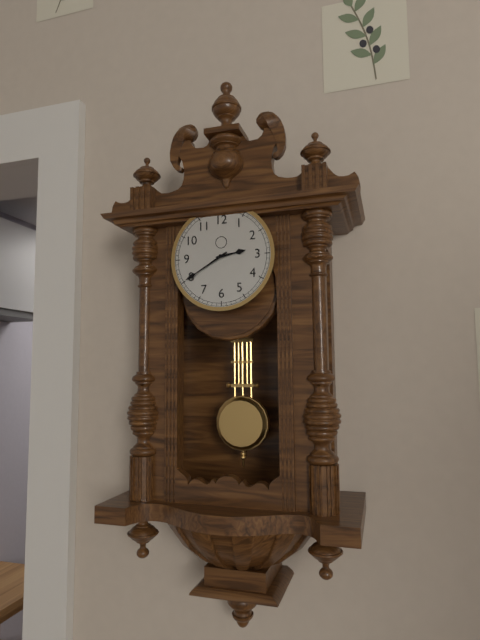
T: 2:40
